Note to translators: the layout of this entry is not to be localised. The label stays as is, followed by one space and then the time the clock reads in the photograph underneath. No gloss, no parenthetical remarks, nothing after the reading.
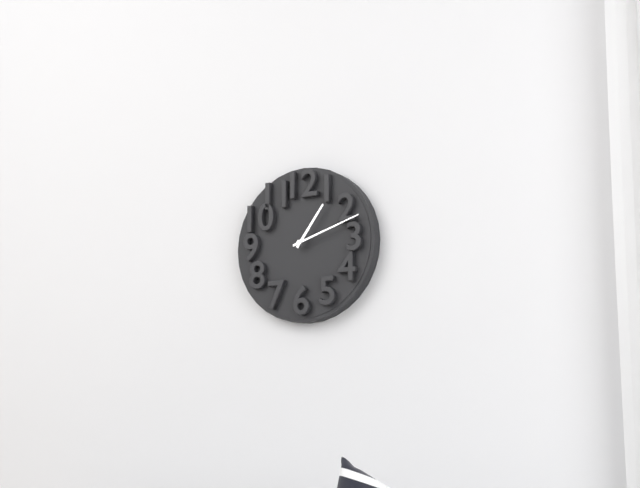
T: 1:12
